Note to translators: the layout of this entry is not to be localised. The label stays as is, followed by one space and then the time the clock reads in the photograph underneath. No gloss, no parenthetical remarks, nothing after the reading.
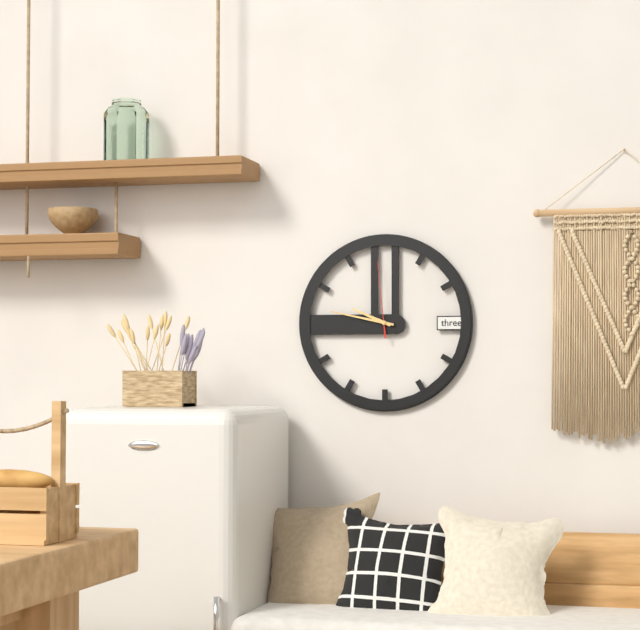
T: 9:47:59
